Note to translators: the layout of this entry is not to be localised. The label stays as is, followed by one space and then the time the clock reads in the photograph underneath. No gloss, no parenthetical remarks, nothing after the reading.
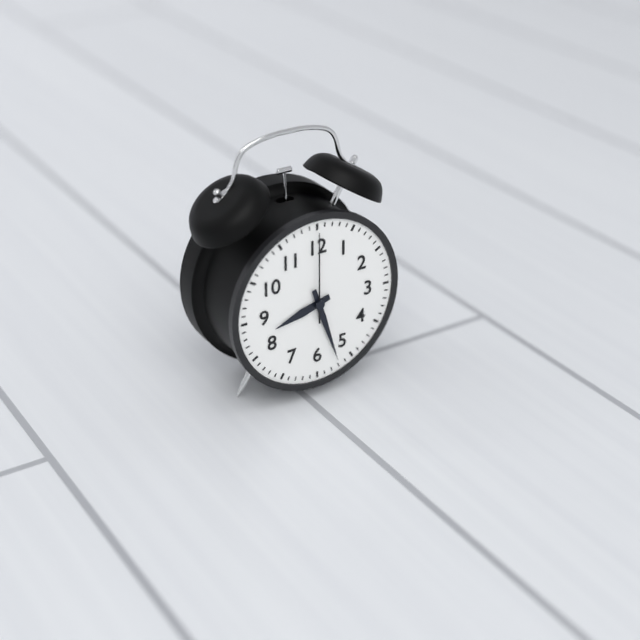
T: 8:27:00
